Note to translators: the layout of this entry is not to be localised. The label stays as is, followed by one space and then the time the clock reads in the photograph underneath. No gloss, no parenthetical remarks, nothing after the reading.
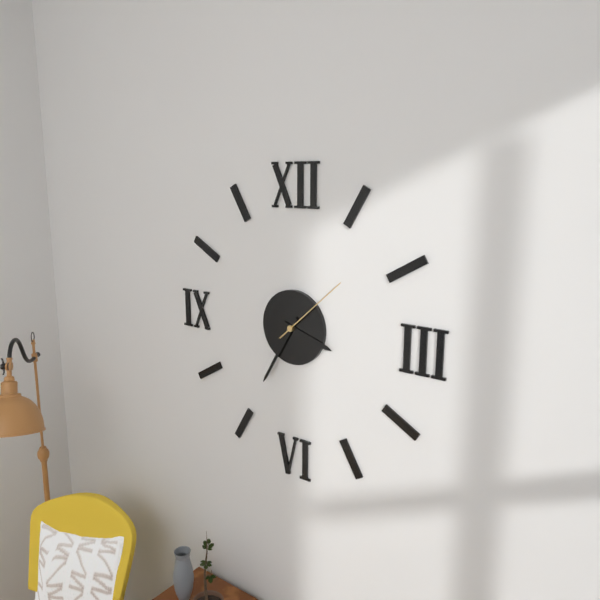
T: 3:35:08
